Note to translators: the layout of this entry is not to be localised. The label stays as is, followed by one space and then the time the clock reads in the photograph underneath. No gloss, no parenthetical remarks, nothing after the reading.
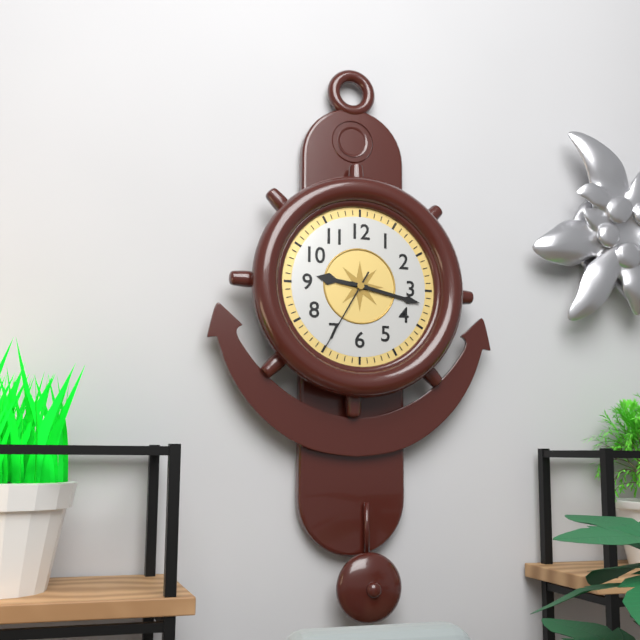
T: 9:17:35
